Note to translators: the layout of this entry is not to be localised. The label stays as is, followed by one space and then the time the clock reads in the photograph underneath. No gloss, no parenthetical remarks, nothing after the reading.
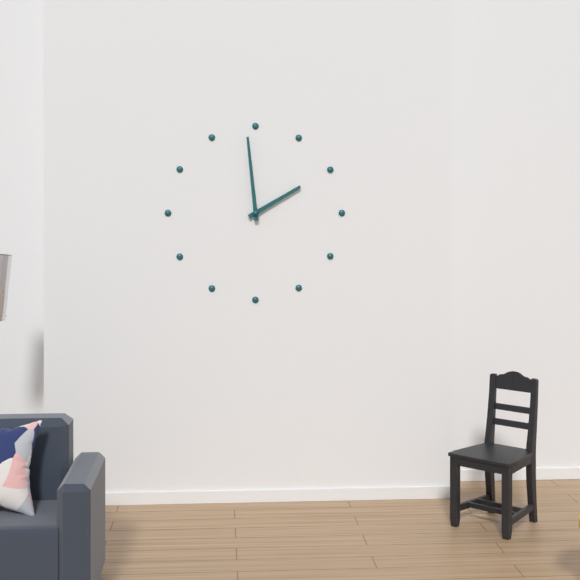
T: 1:59
